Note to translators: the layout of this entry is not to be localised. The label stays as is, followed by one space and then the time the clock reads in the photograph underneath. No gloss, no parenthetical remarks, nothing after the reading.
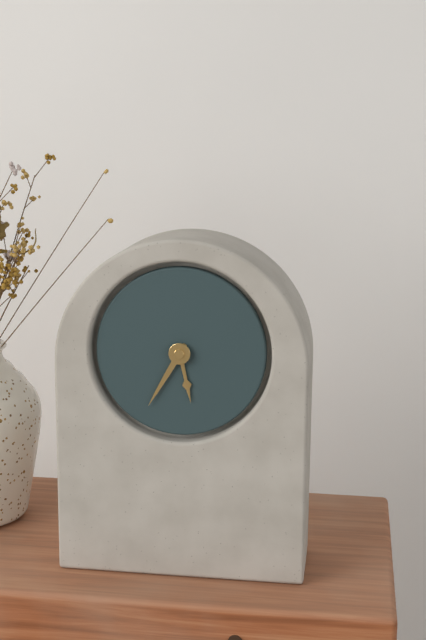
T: 5:35
